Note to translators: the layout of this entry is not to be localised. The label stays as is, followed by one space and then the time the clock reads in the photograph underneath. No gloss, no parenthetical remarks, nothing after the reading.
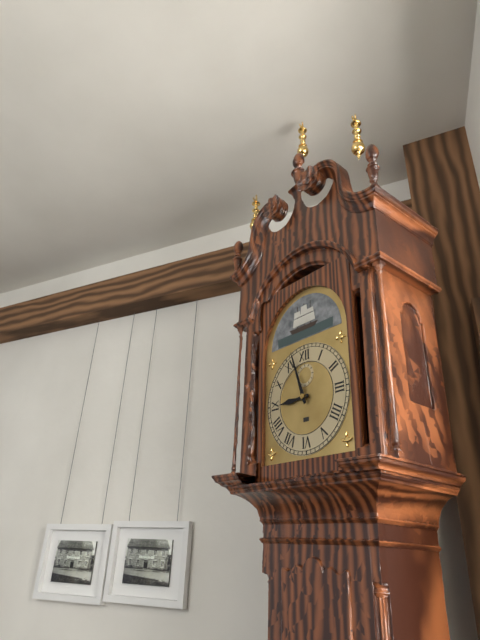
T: 8:57
